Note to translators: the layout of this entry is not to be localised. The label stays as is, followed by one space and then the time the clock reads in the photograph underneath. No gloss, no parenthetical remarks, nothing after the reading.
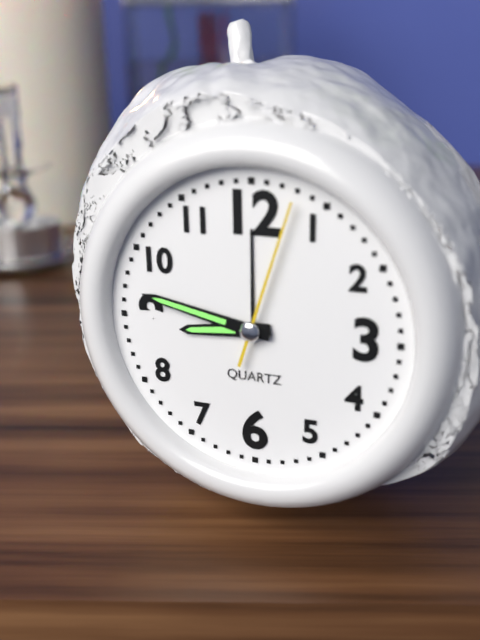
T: 8:47:03
